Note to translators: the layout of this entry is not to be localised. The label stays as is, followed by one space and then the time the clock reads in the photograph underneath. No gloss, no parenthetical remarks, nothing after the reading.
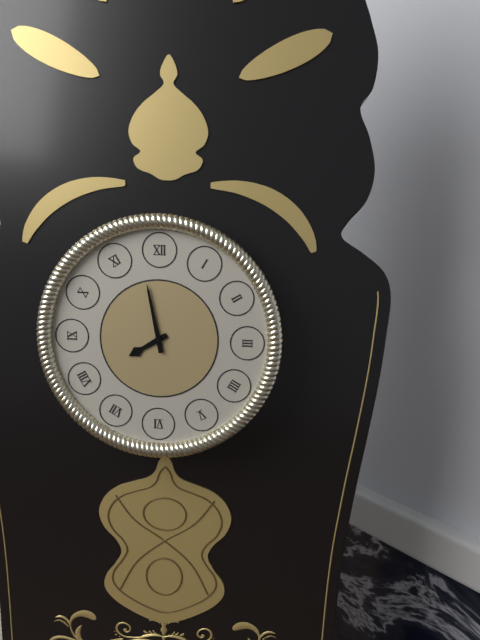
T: 7:58
